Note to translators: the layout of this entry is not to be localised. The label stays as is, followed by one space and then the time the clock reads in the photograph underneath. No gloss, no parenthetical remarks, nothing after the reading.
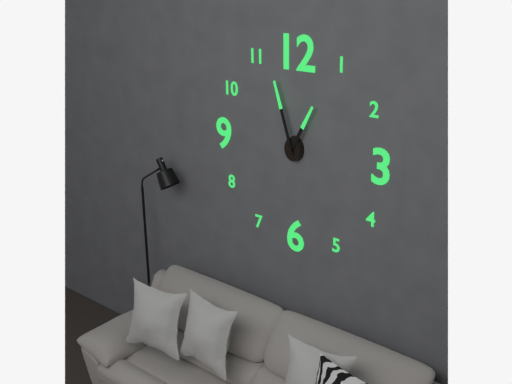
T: 12:57
